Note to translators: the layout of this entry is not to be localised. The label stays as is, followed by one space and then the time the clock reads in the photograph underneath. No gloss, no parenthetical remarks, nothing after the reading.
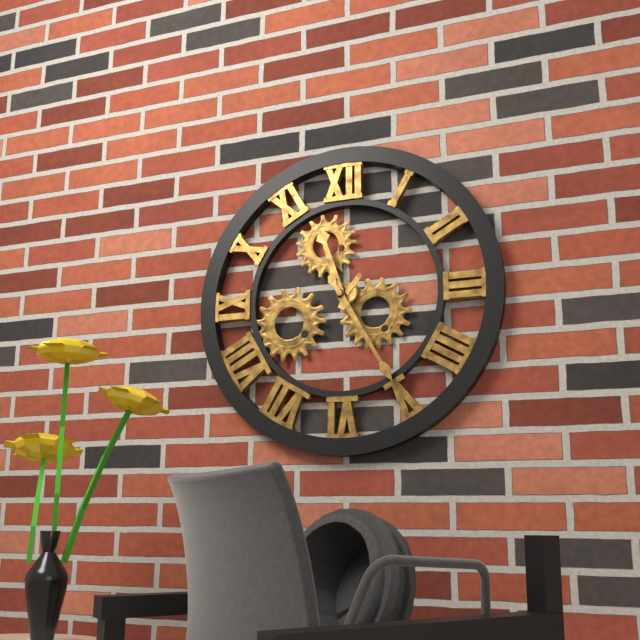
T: 11:25
